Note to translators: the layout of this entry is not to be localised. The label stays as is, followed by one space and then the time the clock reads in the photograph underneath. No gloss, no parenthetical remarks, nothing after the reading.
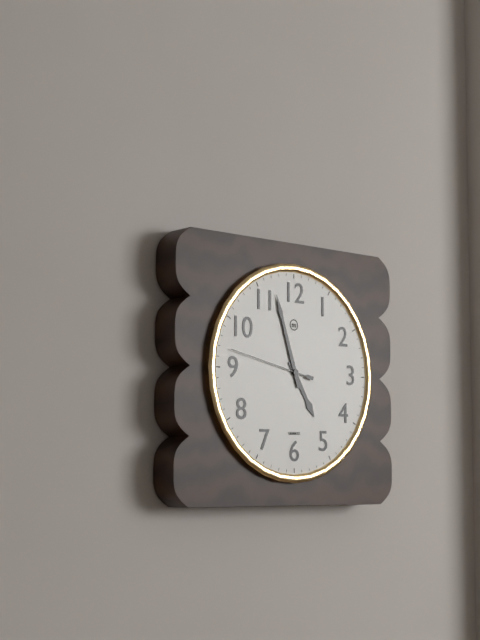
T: 4:57:47
